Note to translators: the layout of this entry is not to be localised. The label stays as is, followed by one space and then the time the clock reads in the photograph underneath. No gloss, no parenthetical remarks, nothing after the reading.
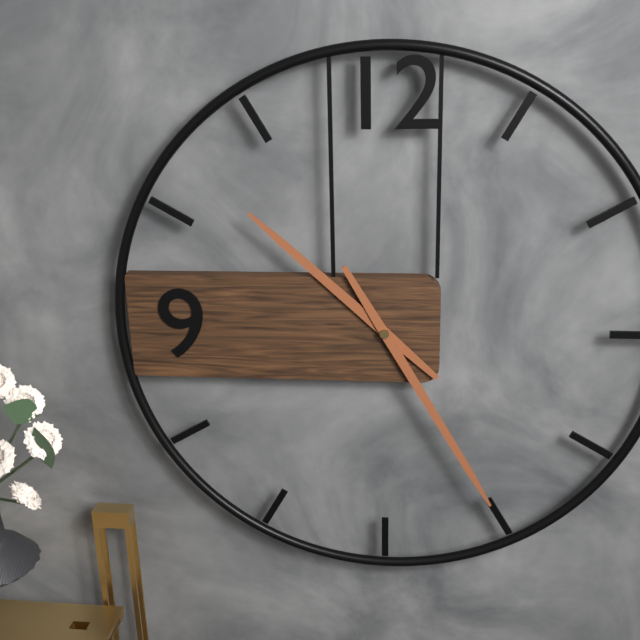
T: 10:25
